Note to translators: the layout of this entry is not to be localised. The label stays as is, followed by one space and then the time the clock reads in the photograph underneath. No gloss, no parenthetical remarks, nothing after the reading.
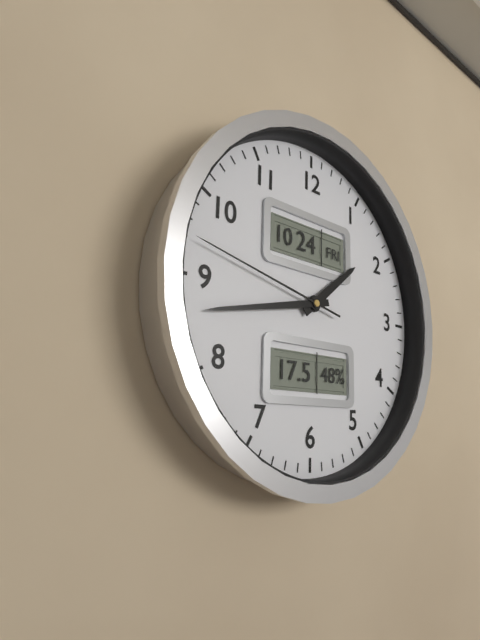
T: 1:43:47
